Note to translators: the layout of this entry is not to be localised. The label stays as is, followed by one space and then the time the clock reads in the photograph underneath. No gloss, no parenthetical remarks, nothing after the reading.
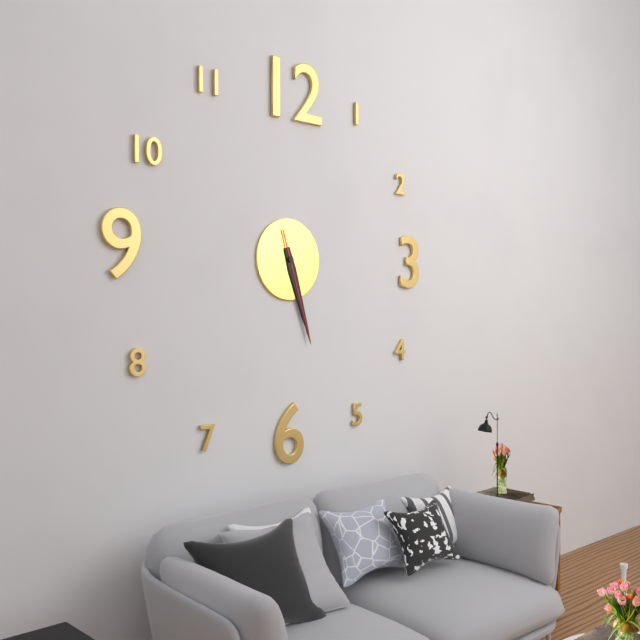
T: 5:27:27
